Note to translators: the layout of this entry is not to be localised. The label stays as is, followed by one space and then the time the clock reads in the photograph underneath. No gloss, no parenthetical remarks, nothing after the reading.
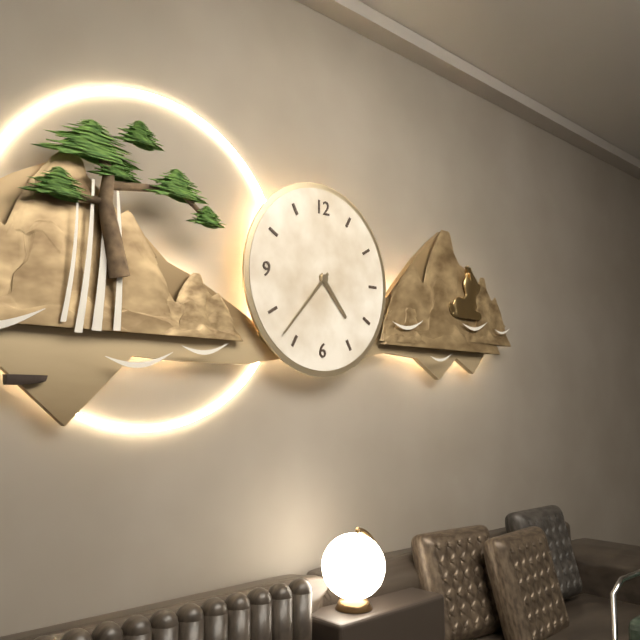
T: 4:37
